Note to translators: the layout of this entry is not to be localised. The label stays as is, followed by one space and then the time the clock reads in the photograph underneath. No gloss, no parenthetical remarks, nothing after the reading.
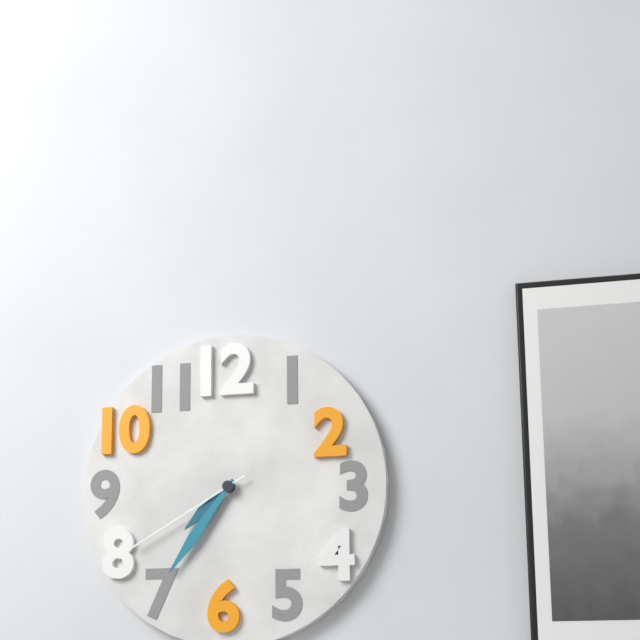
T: 7:36:40
